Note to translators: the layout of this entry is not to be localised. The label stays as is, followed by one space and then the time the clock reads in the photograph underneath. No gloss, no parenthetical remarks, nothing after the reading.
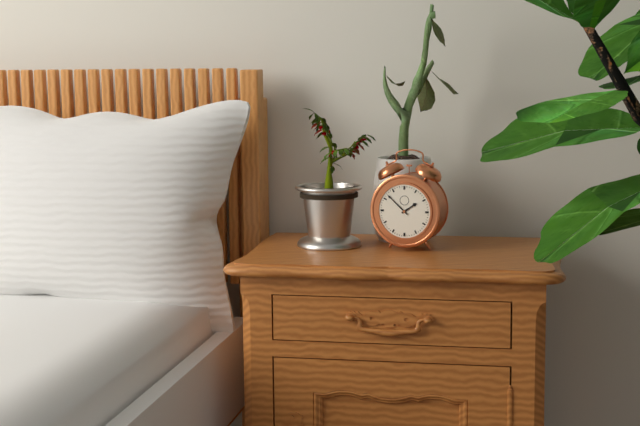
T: 1:52
